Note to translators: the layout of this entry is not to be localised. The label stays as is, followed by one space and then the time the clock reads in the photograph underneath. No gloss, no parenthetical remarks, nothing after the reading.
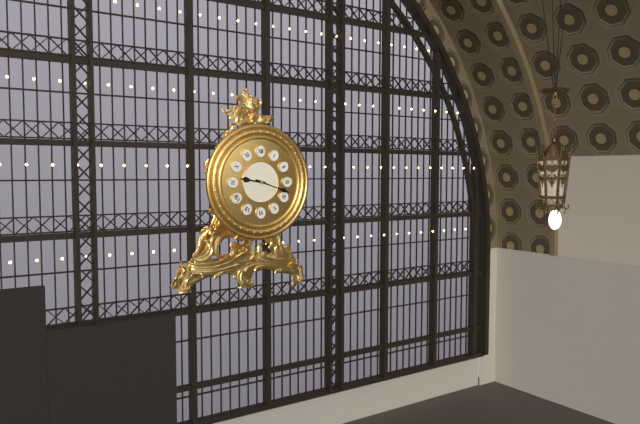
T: 9:18
